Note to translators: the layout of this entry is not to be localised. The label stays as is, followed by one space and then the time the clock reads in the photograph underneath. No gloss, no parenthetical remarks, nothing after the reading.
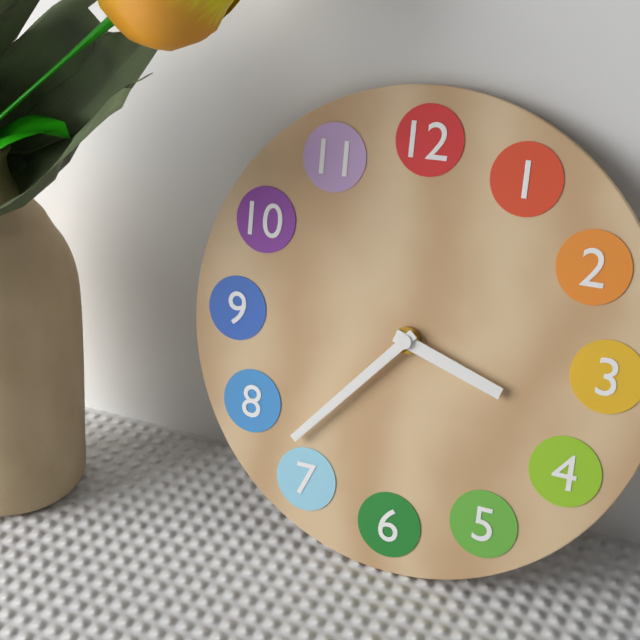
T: 3:37
